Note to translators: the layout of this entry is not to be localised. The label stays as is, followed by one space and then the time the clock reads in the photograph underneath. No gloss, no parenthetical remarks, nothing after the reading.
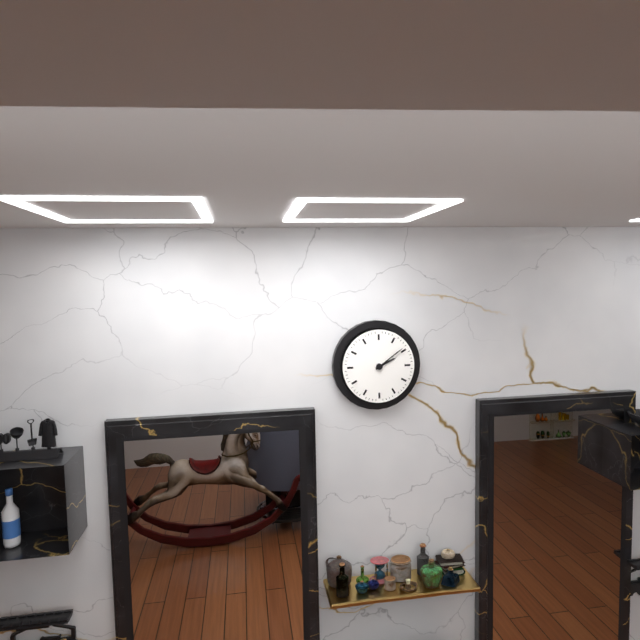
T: 2:09
